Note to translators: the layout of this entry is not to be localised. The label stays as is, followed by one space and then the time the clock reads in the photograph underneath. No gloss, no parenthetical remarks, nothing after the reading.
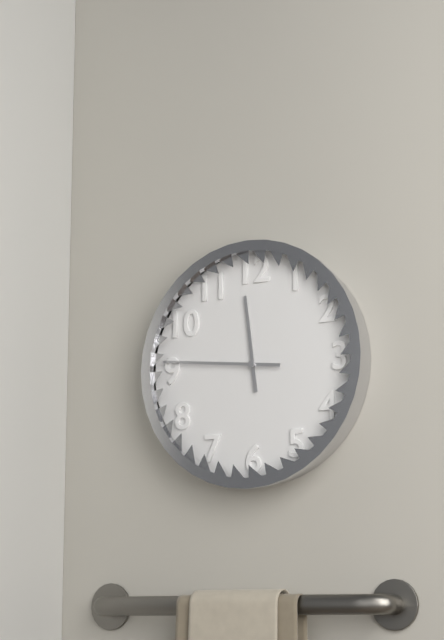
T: 11:46
